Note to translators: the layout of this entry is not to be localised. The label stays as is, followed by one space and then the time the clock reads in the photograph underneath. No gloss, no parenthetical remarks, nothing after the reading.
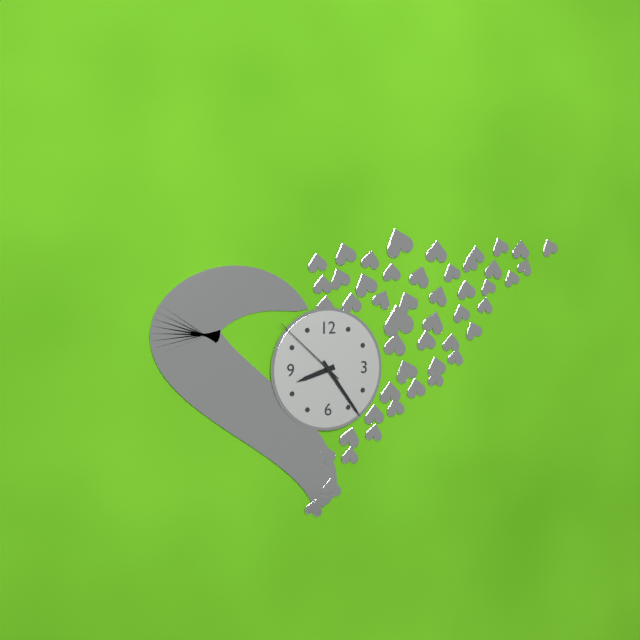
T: 8:24:52
